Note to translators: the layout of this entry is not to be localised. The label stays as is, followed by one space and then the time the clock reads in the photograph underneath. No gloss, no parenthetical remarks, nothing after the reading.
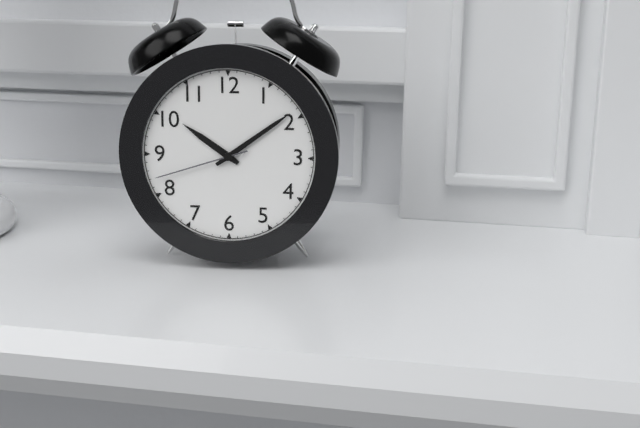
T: 10:09:42
